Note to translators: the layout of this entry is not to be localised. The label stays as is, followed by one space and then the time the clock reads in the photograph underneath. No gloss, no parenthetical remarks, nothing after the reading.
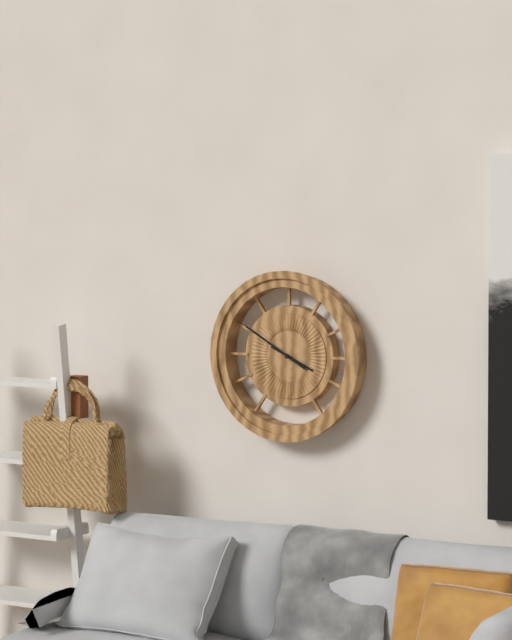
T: 3:50
